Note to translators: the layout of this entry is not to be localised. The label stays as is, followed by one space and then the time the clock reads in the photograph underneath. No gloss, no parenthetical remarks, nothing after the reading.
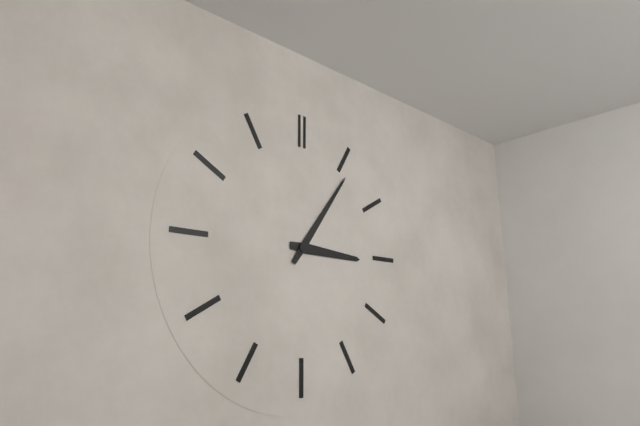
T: 3:06
